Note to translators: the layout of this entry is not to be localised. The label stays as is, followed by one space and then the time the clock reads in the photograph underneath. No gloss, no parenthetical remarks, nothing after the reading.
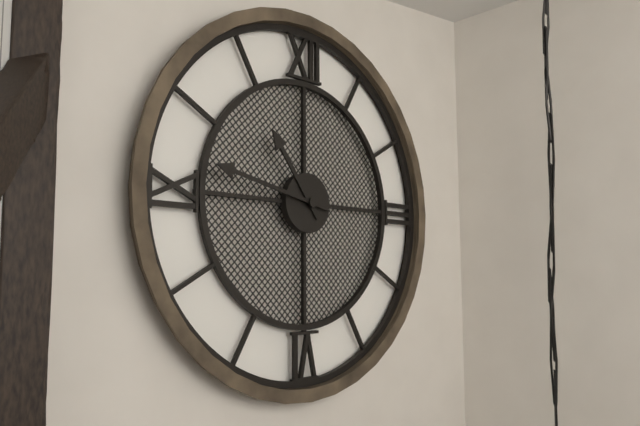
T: 10:47
